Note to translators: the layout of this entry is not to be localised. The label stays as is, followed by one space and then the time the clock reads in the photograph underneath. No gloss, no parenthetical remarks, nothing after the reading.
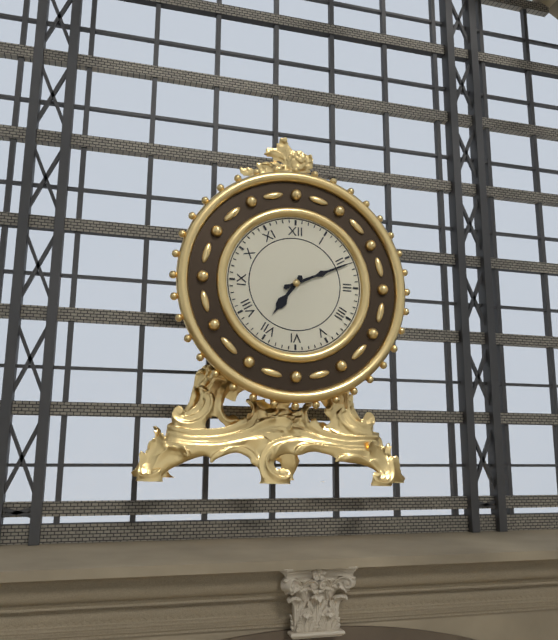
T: 7:11
